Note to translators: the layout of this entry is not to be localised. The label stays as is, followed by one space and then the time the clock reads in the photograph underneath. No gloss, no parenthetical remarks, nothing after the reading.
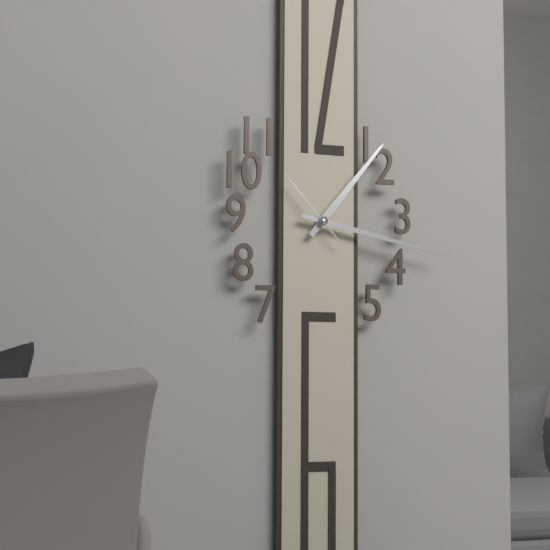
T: 1:17:53
